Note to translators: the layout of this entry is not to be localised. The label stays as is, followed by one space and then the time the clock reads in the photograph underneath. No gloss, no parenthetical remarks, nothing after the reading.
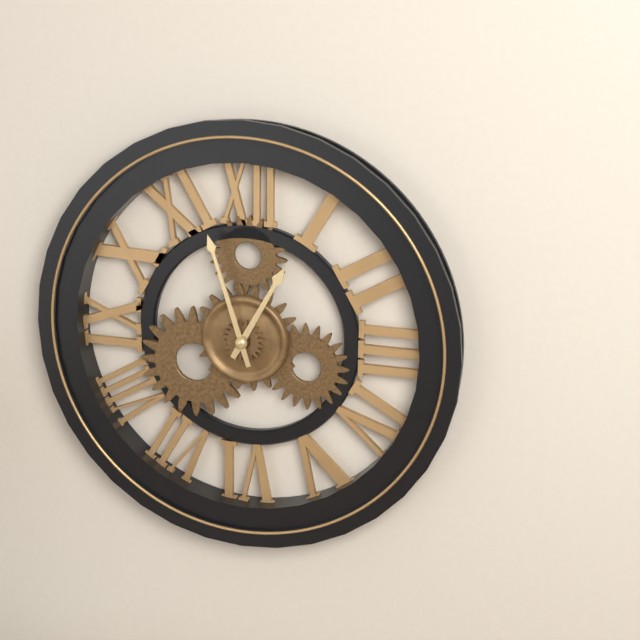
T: 12:57
